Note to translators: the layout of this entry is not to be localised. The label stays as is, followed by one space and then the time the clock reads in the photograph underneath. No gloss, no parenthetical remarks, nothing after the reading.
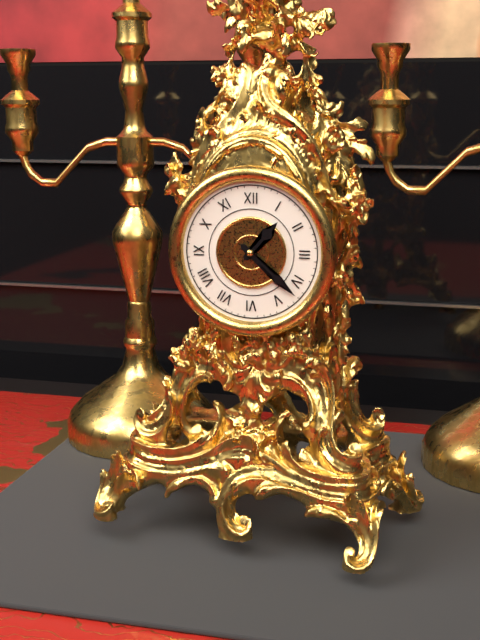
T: 1:22
